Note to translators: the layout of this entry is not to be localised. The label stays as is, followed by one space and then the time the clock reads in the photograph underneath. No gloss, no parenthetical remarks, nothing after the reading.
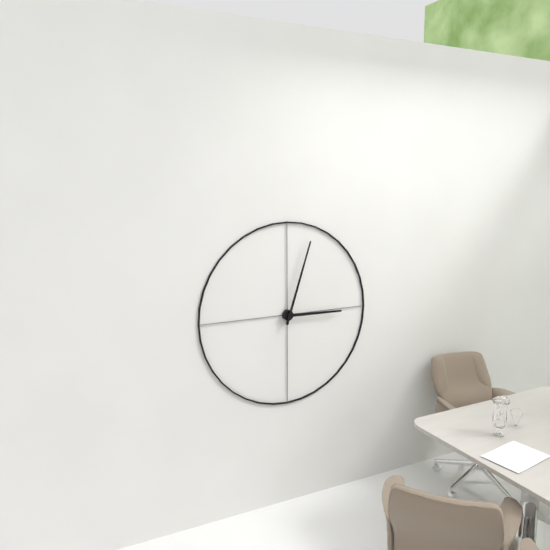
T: 3:03
